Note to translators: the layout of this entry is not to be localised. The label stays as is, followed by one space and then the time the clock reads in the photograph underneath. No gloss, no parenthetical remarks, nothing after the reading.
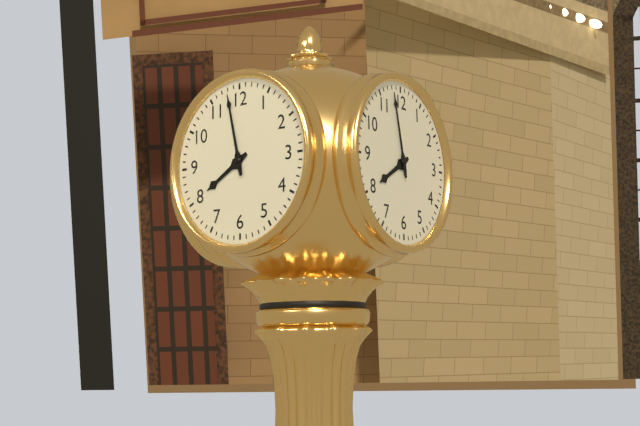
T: 7:58
